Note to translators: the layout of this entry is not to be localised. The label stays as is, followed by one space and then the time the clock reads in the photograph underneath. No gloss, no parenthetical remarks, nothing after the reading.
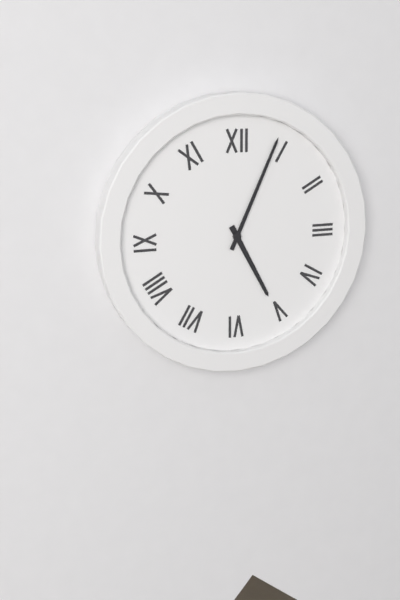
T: 5:04
